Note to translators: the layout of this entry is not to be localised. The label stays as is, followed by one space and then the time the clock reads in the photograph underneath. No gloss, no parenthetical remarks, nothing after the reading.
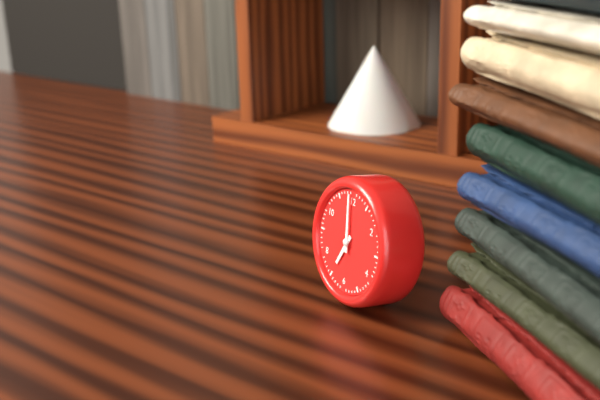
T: 6:59
